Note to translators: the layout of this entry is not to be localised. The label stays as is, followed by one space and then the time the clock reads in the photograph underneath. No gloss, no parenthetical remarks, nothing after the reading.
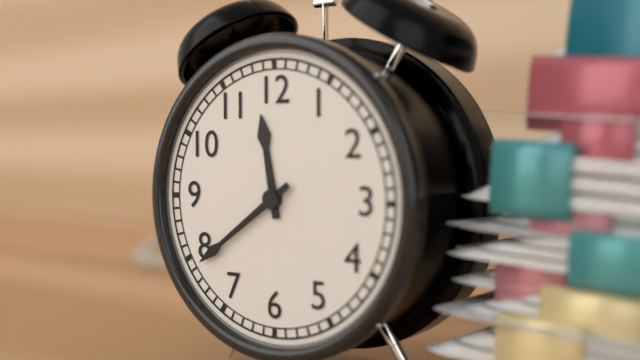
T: 11:39
